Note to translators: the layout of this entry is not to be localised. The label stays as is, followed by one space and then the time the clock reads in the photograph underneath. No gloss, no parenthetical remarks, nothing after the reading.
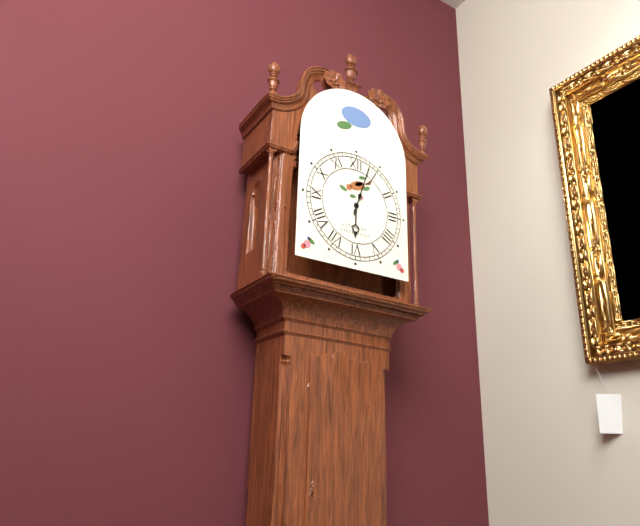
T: 6:03
